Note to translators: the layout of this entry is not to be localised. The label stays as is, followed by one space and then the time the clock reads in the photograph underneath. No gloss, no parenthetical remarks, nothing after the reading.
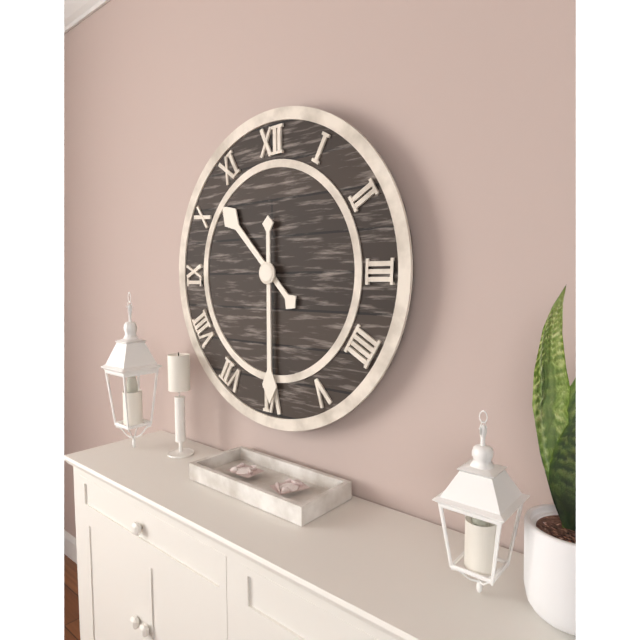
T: 10:30
